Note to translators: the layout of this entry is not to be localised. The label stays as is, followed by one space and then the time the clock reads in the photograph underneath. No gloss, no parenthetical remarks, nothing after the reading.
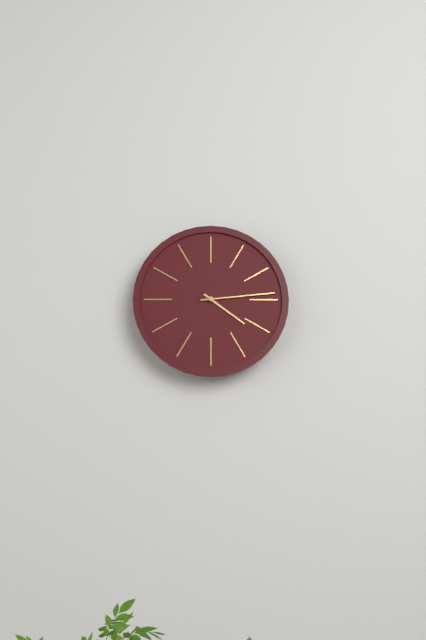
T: 4:14
